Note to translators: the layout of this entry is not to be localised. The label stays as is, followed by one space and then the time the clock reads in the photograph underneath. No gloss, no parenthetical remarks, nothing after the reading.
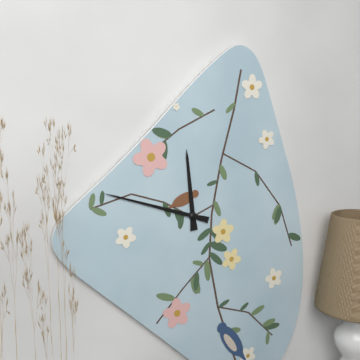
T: 11:48
